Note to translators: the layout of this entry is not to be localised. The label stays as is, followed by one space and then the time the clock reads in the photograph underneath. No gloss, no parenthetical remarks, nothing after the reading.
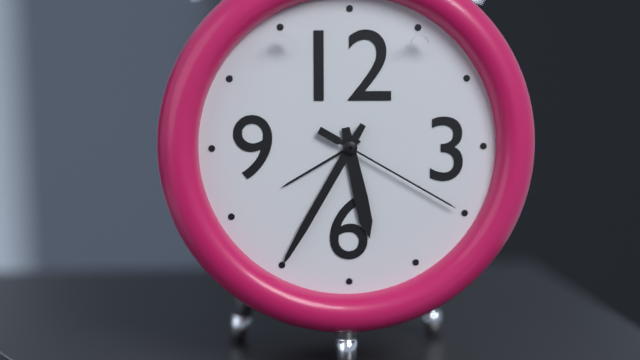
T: 5:35:20
